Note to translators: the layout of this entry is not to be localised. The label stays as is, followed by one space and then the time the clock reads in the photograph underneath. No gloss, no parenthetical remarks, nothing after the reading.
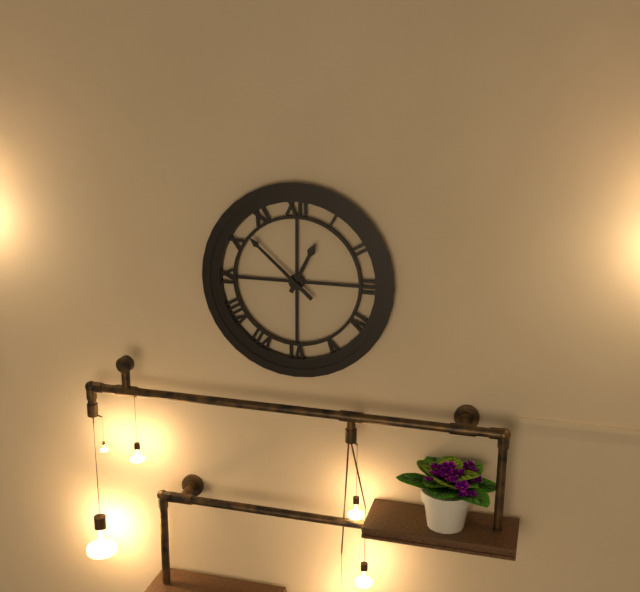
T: 12:52
